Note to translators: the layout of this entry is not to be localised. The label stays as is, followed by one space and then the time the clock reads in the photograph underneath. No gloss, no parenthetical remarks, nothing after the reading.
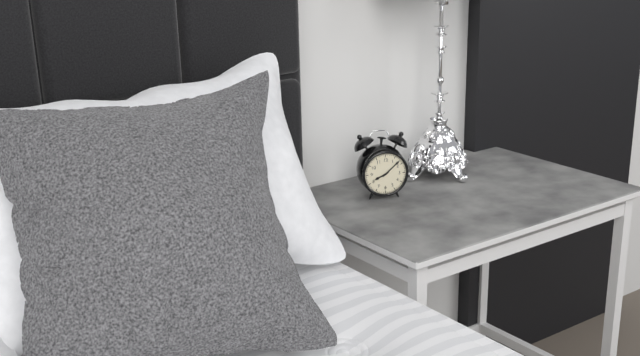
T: 8:08
